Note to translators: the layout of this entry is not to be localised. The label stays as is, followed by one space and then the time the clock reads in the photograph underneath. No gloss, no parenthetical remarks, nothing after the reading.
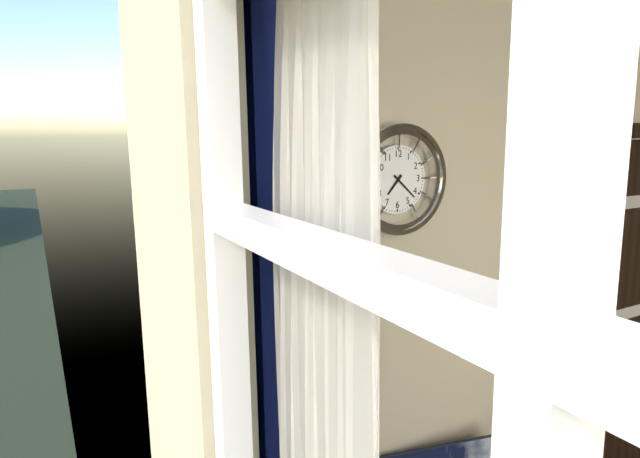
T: 7:22
